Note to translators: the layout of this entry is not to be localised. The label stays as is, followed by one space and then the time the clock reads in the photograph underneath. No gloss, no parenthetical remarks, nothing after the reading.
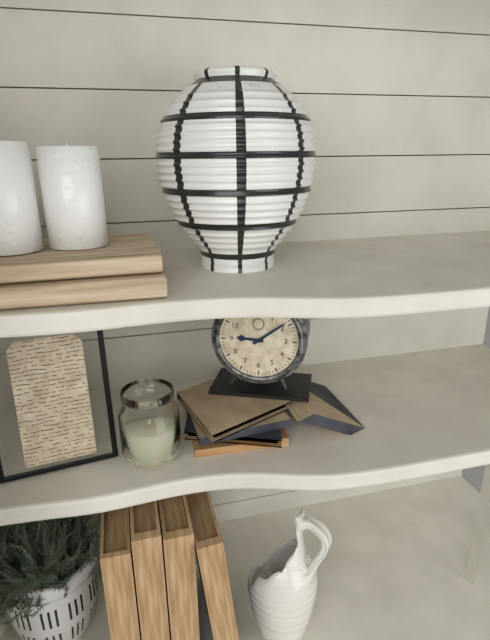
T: 9:09
